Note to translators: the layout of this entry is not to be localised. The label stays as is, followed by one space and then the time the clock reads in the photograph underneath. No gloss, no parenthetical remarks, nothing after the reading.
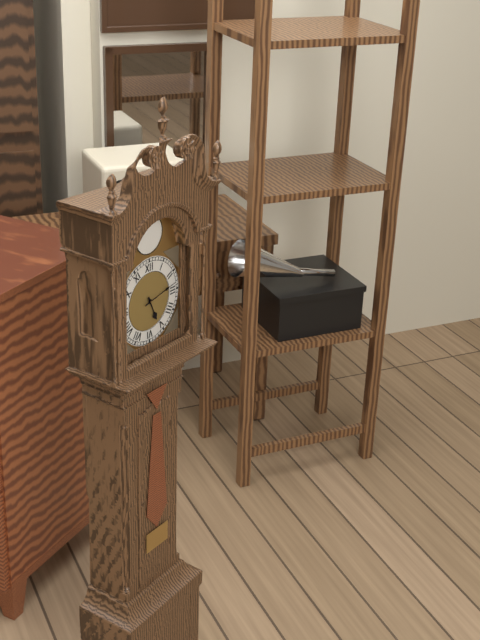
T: 5:13
